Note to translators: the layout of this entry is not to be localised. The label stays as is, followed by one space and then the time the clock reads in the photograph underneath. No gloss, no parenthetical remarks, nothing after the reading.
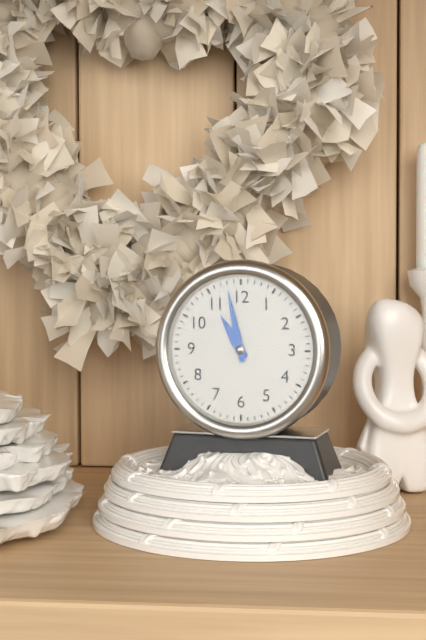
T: 10:58
